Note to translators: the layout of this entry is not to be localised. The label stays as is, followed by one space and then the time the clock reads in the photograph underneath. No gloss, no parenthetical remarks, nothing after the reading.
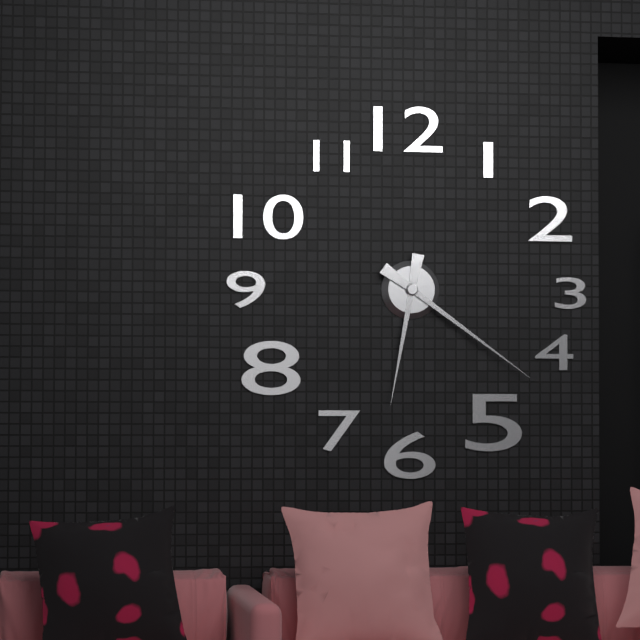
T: 6:21
